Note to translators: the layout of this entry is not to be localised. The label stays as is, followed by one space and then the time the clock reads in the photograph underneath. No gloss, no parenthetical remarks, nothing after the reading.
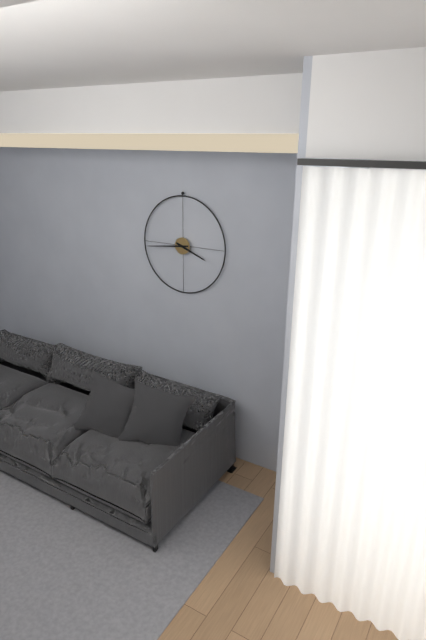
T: 3:44
